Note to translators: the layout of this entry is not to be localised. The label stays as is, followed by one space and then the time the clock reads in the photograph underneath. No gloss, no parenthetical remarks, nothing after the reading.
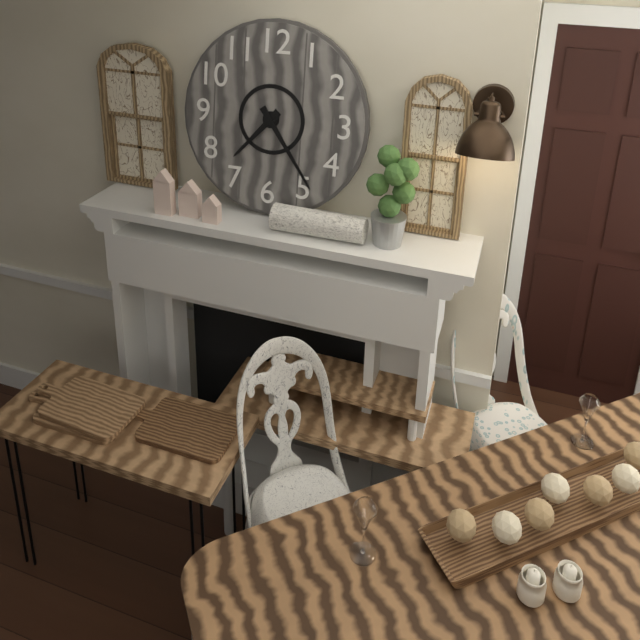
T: 7:24
